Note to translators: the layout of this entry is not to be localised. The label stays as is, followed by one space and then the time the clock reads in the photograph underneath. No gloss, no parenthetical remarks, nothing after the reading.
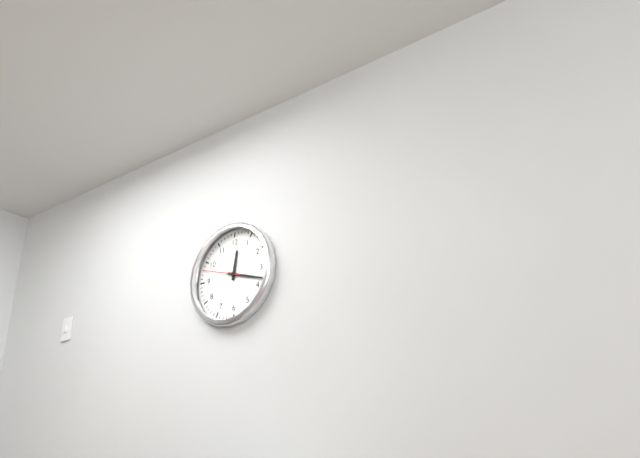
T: 12:18
